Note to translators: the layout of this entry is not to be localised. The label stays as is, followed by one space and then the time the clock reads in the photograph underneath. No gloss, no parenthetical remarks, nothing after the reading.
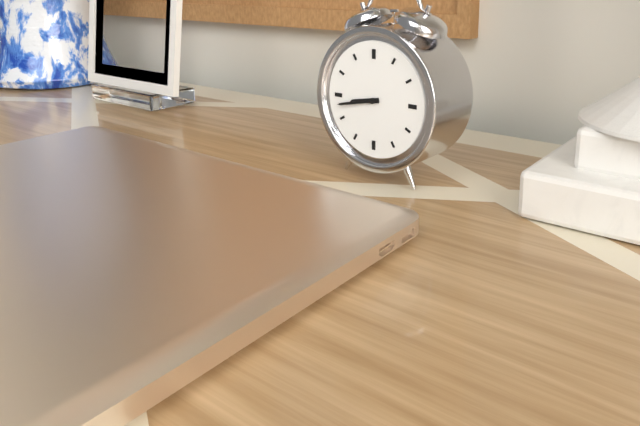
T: 8:43
